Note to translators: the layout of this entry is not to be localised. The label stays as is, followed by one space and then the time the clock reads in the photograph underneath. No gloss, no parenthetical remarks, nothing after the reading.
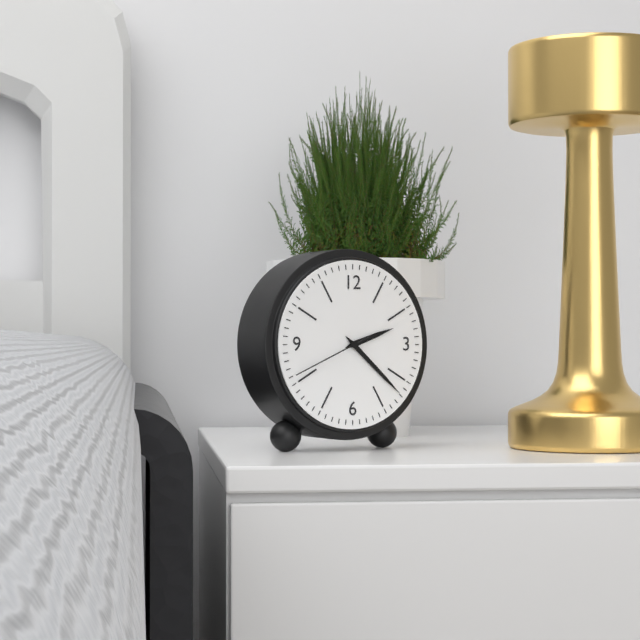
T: 2:22:41
